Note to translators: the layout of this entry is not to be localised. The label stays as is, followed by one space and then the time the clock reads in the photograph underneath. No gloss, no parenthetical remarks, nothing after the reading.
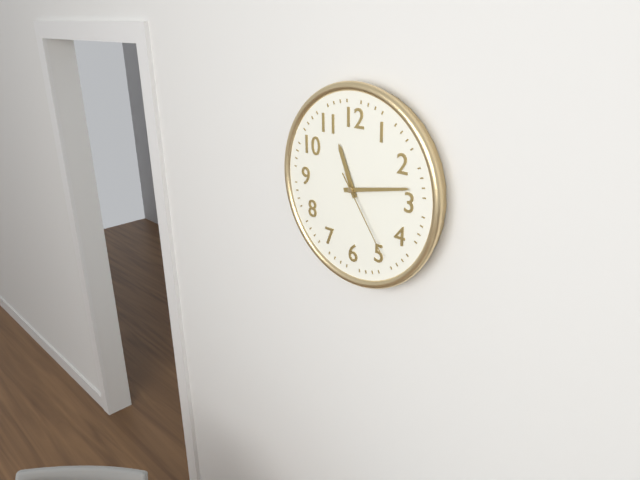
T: 11:13:24
